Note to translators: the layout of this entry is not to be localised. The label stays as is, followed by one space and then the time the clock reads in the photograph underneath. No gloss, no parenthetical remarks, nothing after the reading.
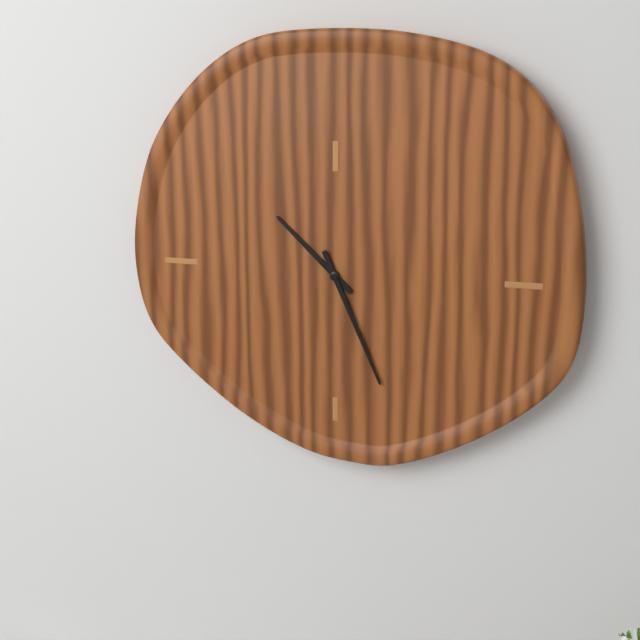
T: 10:26
